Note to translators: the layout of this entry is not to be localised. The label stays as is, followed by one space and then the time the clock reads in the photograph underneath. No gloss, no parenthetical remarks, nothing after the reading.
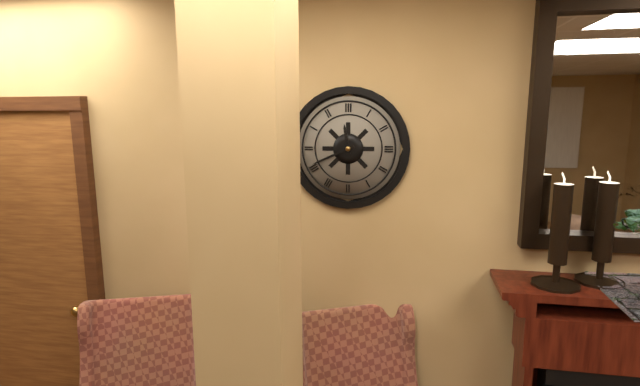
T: 11:41
